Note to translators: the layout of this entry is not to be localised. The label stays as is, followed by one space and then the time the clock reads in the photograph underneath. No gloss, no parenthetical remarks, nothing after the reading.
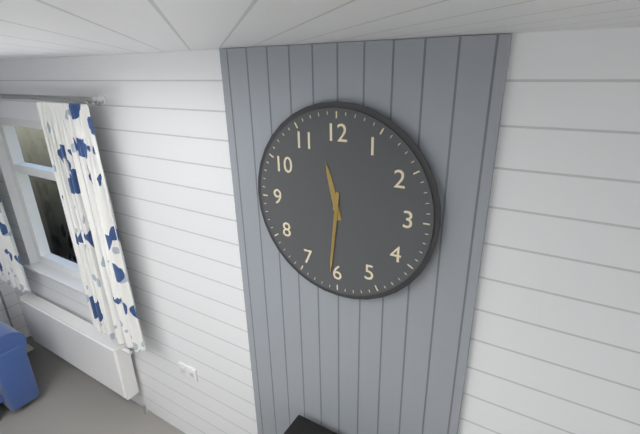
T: 11:31
